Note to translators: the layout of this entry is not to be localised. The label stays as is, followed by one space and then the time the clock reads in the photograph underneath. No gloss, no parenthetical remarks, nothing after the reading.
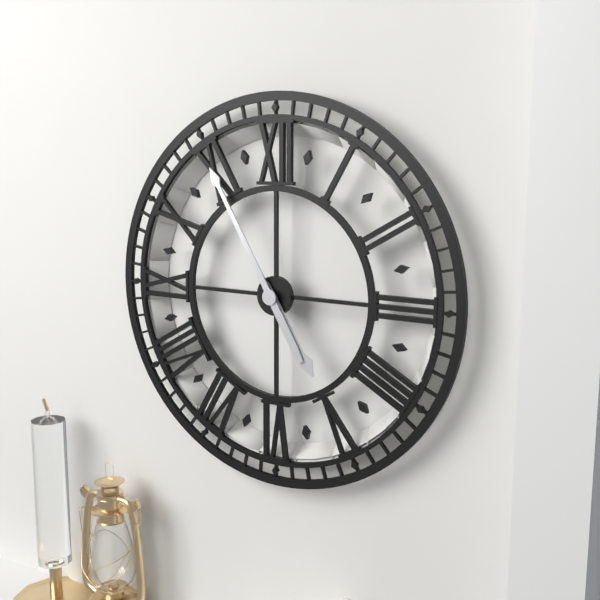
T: 4:55
